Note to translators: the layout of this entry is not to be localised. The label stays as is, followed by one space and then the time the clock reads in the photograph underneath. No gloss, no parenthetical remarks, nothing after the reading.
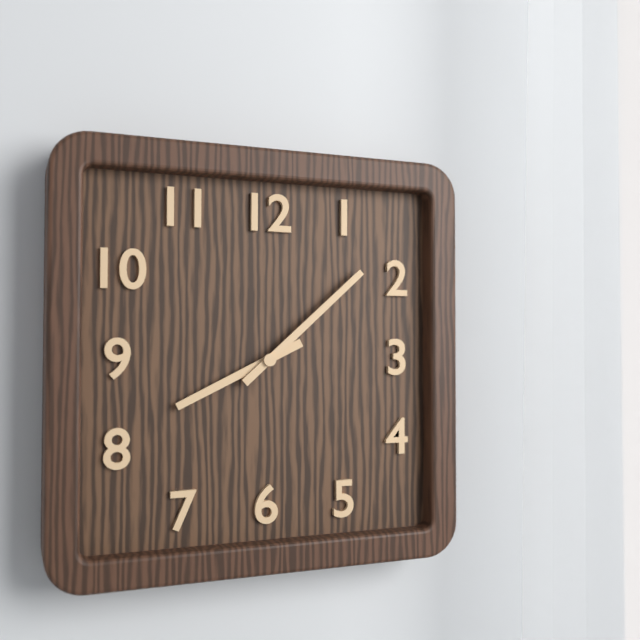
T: 8:08
